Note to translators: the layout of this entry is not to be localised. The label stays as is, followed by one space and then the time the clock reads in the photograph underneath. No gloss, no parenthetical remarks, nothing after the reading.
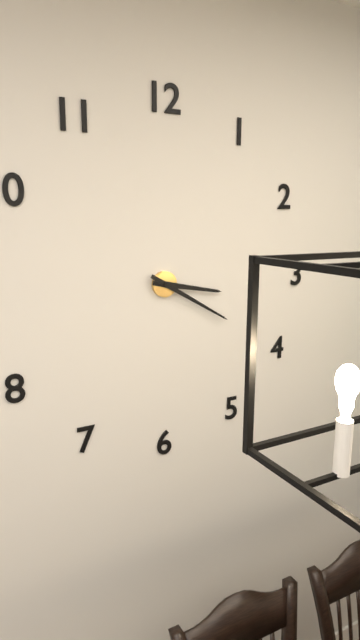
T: 3:20
